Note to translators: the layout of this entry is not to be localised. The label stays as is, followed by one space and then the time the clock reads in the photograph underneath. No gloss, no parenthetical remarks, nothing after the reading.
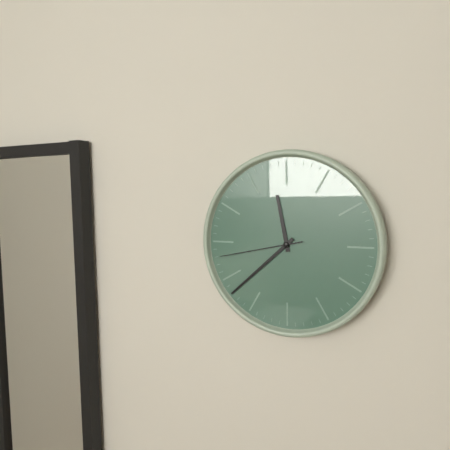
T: 11:38:43
